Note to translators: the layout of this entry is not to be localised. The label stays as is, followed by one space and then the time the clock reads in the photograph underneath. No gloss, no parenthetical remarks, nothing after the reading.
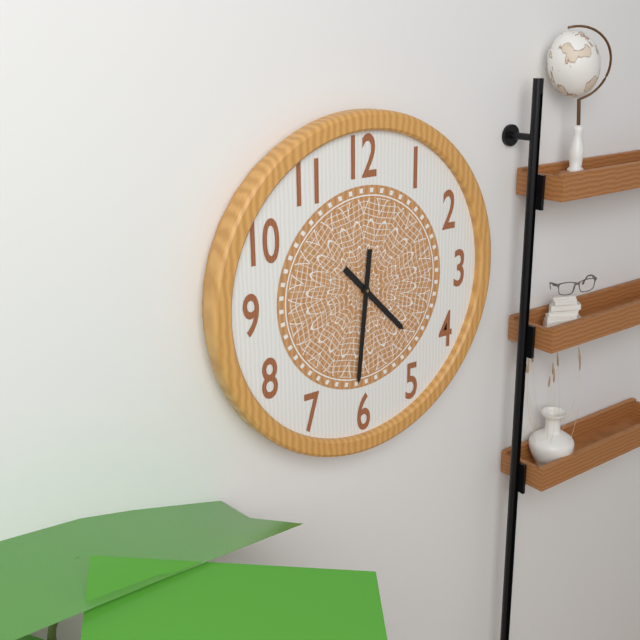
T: 4:31
